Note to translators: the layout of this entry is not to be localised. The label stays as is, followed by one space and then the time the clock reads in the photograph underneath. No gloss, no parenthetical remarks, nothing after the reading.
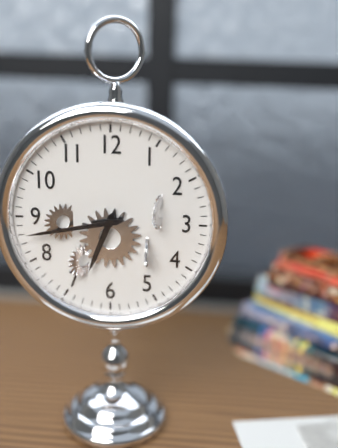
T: 6:43
